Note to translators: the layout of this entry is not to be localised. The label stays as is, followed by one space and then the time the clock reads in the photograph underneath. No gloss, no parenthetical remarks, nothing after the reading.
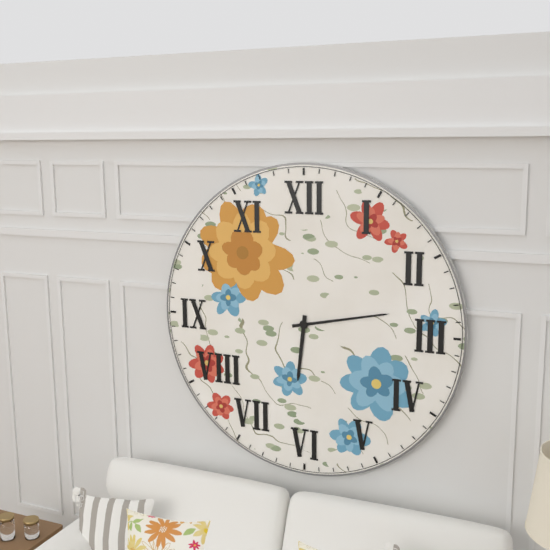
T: 6:13
